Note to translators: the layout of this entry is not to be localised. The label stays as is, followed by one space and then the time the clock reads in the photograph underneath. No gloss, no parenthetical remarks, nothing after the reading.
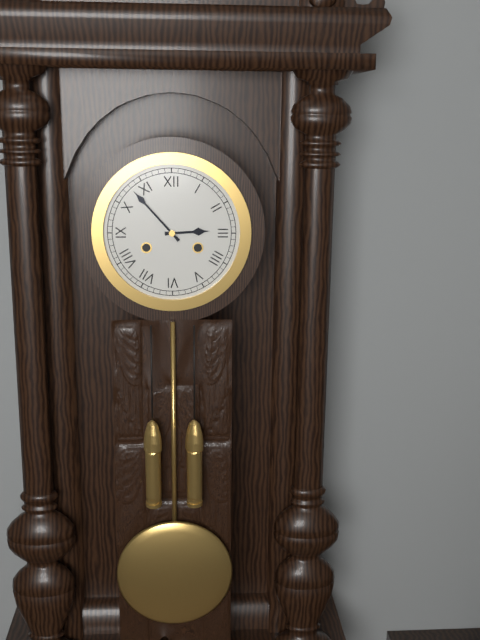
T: 2:53
